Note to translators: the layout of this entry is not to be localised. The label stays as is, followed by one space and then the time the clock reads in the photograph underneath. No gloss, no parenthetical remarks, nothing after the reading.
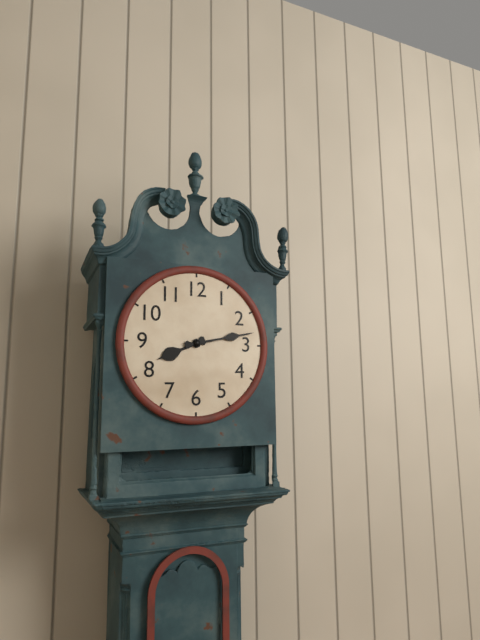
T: 8:13
